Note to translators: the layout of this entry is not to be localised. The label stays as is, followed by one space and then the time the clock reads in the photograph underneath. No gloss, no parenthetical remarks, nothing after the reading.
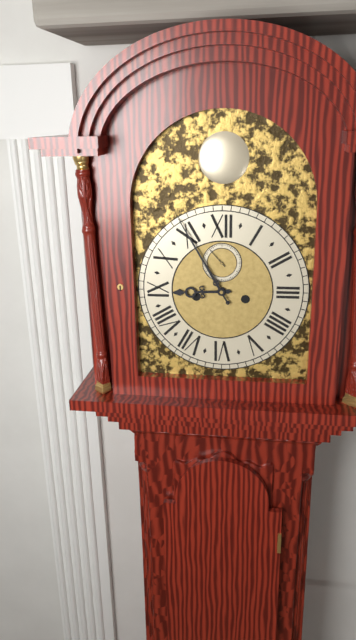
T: 8:55
